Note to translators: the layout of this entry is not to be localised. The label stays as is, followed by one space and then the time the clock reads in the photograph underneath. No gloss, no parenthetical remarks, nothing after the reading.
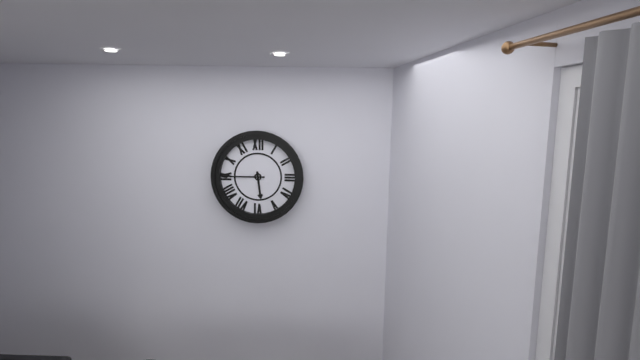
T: 5:45
